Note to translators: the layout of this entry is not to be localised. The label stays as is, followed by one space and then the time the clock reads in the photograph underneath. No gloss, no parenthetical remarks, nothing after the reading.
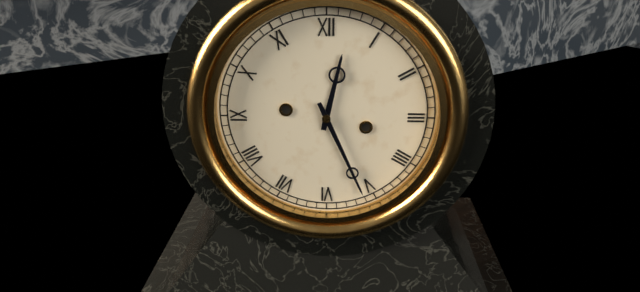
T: 12:26
